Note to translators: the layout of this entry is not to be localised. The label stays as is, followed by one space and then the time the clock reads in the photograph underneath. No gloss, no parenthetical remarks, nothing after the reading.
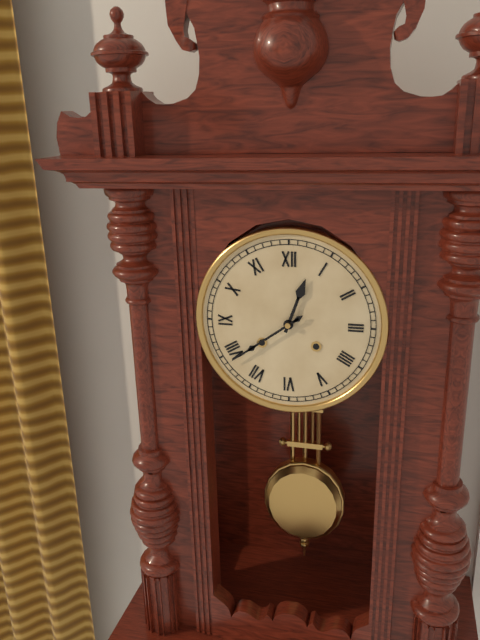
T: 12:39
